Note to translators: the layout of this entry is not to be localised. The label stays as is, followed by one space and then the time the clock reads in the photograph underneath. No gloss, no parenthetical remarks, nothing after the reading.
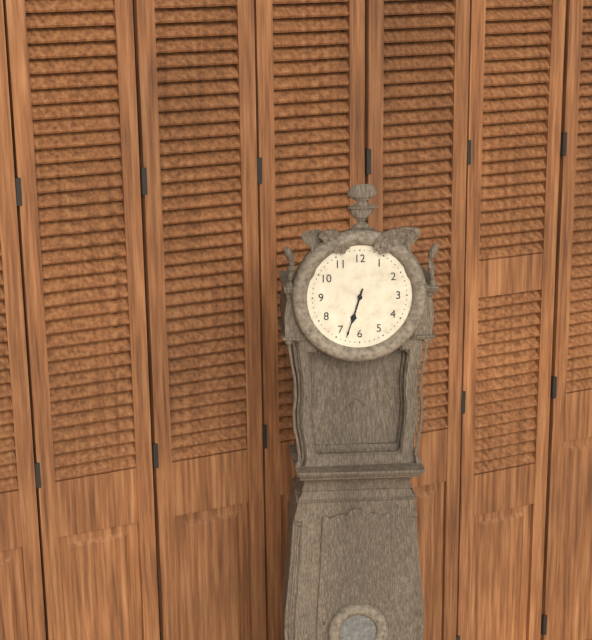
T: 6:33
